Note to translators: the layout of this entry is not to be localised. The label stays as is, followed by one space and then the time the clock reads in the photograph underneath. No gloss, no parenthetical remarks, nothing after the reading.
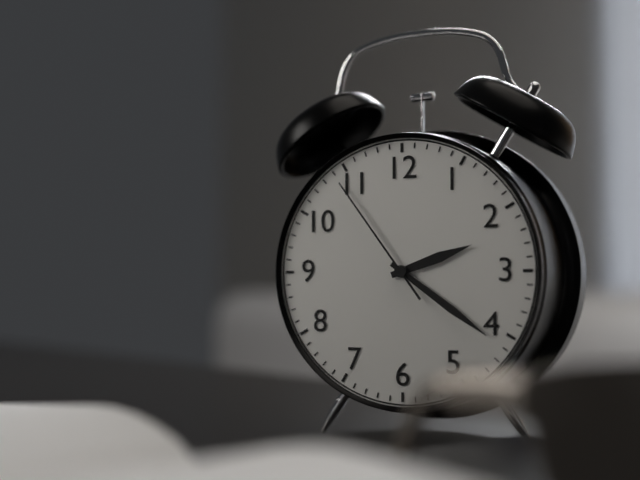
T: 2:21:54
